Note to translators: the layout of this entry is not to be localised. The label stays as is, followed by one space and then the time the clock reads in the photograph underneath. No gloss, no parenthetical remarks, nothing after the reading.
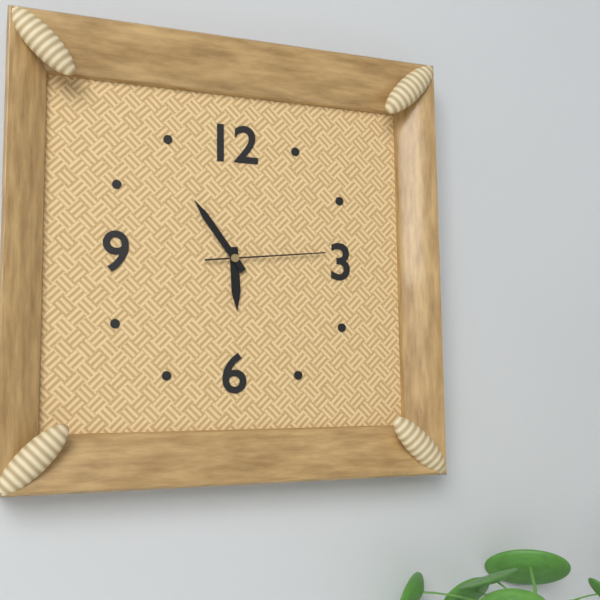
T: 5:54:14
